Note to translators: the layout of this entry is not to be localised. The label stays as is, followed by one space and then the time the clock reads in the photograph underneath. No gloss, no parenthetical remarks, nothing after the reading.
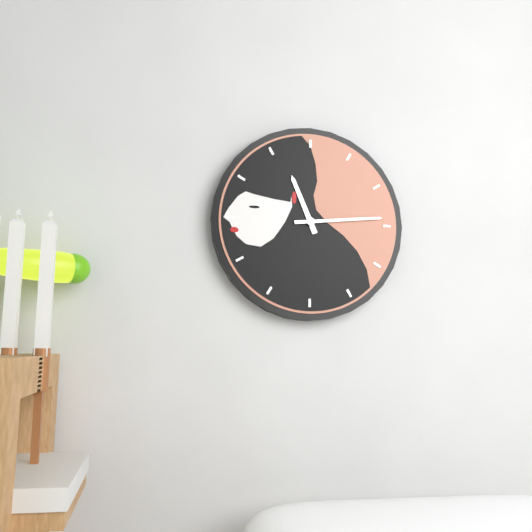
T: 11:14
